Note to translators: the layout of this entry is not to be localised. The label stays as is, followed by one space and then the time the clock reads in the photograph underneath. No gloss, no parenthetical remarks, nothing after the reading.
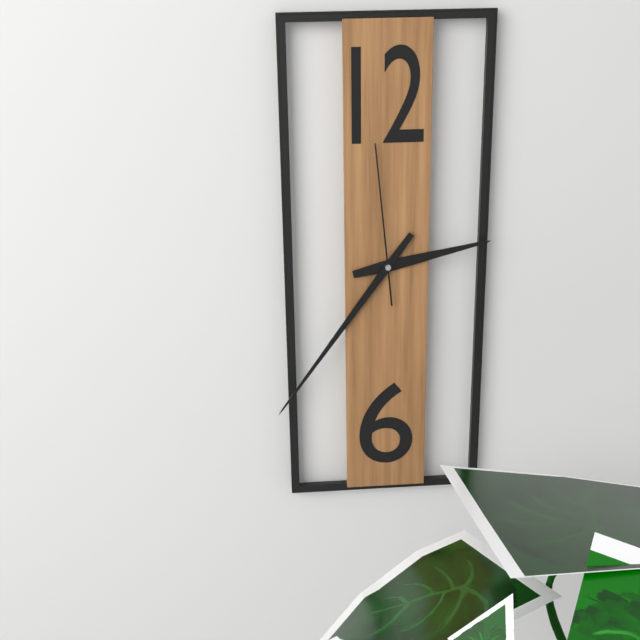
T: 2:36:59
